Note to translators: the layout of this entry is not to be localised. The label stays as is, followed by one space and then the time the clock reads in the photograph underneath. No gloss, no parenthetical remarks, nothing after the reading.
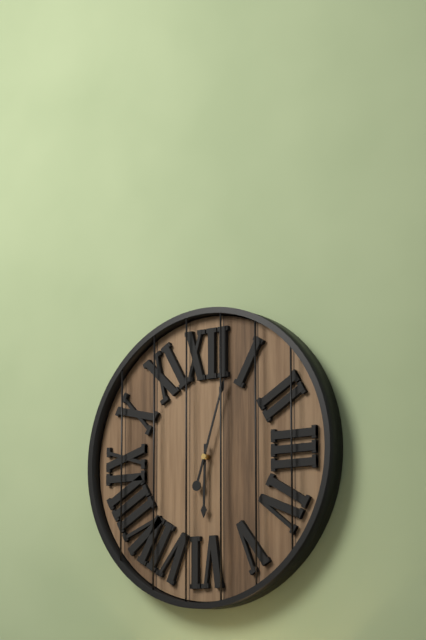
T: 6:03
